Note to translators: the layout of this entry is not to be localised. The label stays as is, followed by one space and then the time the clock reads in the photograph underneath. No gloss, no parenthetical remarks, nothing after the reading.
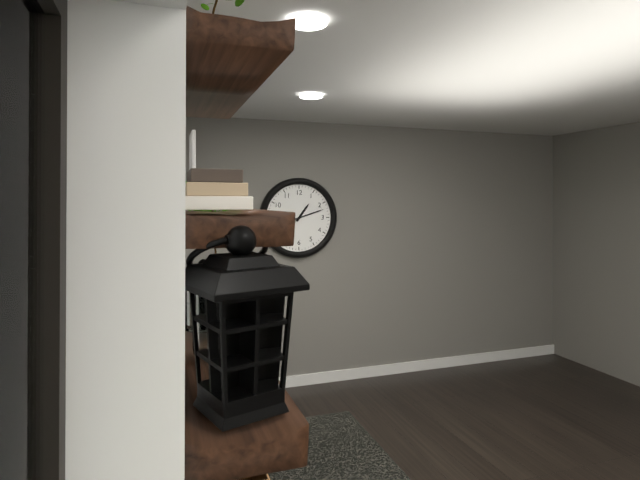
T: 1:12
